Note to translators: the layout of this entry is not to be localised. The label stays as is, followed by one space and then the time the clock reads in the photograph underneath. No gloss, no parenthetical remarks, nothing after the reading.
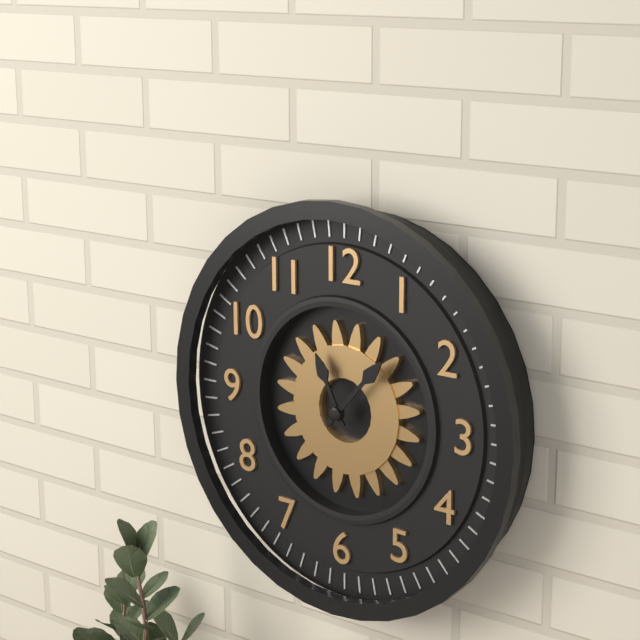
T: 11:07
